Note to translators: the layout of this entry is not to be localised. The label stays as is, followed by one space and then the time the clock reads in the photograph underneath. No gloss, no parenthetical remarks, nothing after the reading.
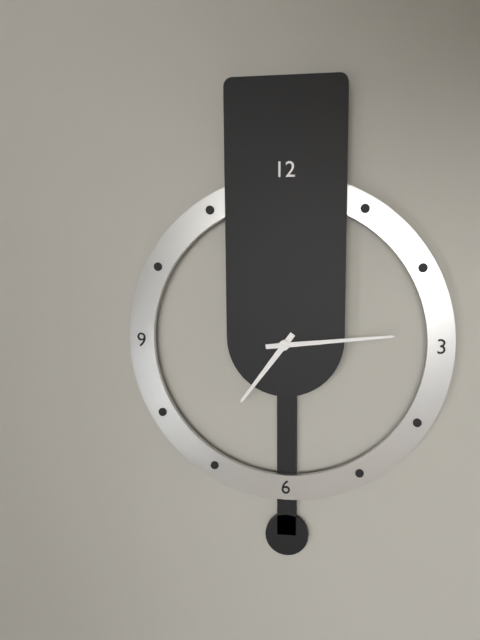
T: 7:14
